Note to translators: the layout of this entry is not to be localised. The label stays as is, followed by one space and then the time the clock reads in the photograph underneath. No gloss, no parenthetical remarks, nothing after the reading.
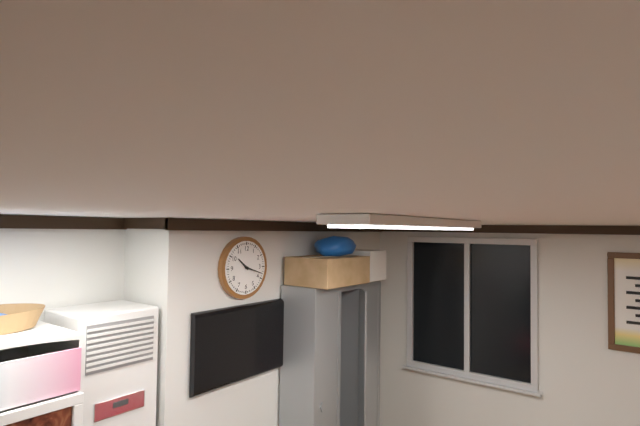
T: 10:18
